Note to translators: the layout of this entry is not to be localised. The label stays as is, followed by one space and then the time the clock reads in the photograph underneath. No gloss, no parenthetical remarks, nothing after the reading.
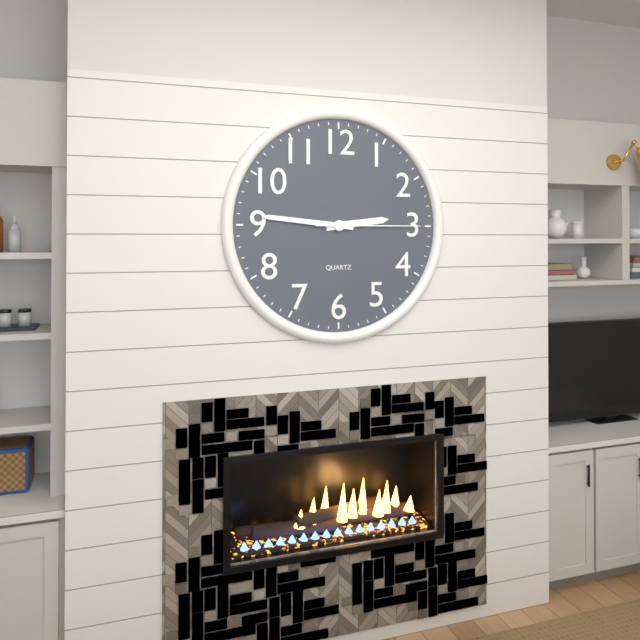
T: 2:46:15
